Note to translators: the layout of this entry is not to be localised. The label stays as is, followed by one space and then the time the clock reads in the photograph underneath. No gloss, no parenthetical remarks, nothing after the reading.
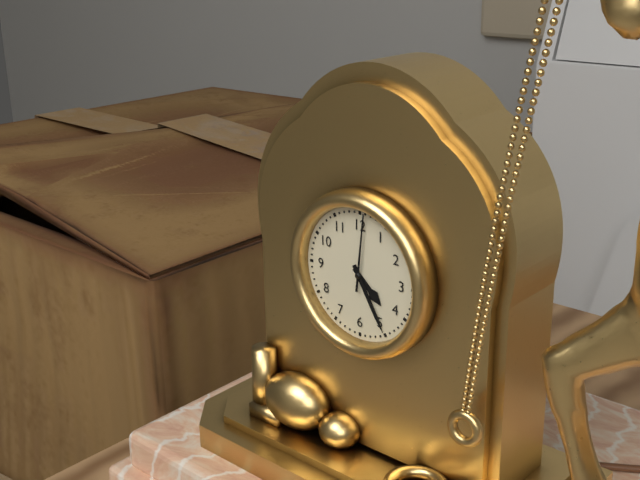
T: 4:25:01
